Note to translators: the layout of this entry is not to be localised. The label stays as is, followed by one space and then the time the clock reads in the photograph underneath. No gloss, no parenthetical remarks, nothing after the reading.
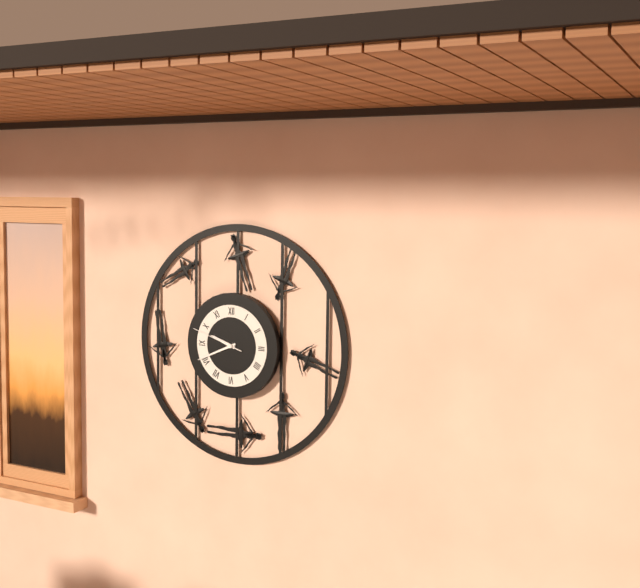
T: 9:41:48
